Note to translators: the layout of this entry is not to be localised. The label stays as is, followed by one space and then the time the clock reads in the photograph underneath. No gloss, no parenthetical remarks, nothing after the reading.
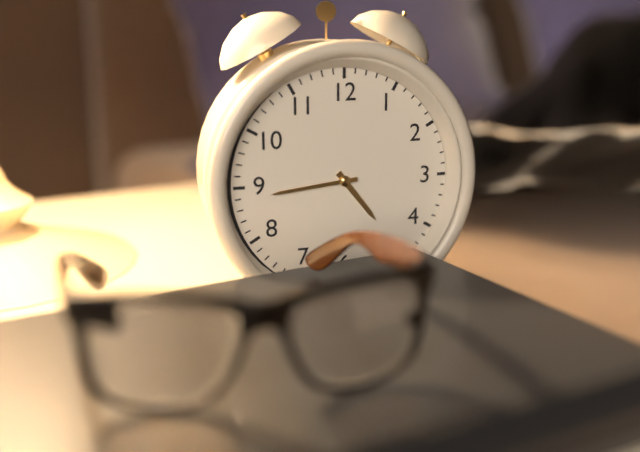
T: 4:44
